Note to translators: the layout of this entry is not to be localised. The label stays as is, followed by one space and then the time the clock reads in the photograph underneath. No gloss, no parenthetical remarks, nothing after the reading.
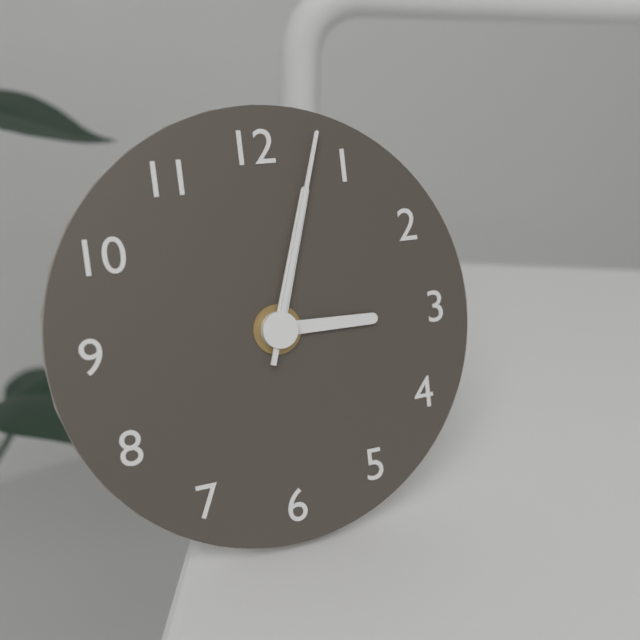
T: 3:03:03
